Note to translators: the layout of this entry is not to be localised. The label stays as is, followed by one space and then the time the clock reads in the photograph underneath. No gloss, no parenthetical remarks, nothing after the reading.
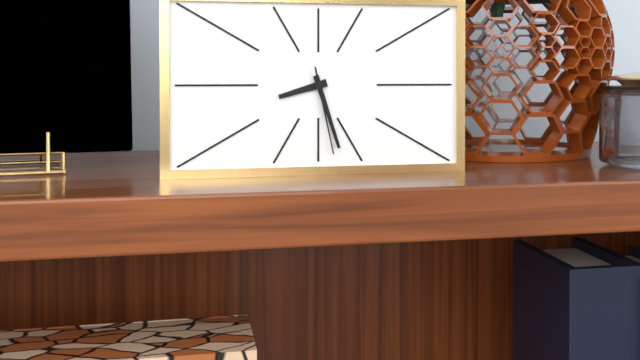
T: 8:27:28
